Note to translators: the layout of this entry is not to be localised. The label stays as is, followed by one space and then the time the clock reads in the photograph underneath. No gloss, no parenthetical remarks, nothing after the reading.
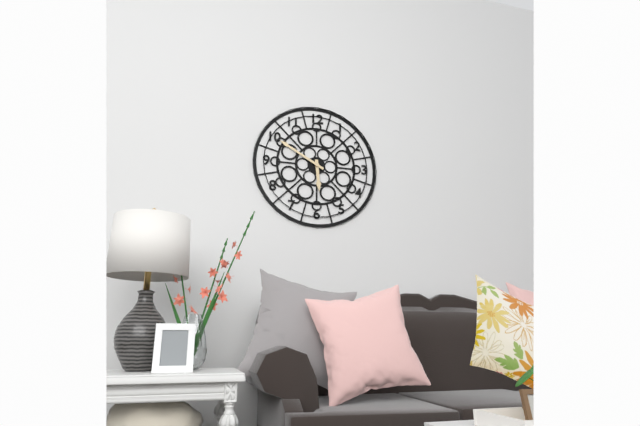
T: 5:50
